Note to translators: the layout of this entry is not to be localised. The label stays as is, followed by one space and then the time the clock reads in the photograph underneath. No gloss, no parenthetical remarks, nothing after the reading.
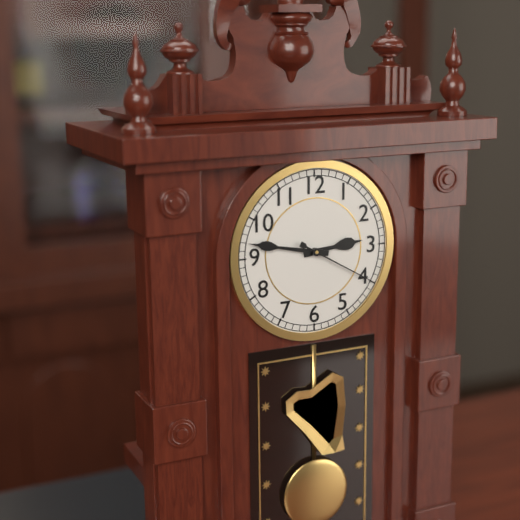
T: 2:47:20
